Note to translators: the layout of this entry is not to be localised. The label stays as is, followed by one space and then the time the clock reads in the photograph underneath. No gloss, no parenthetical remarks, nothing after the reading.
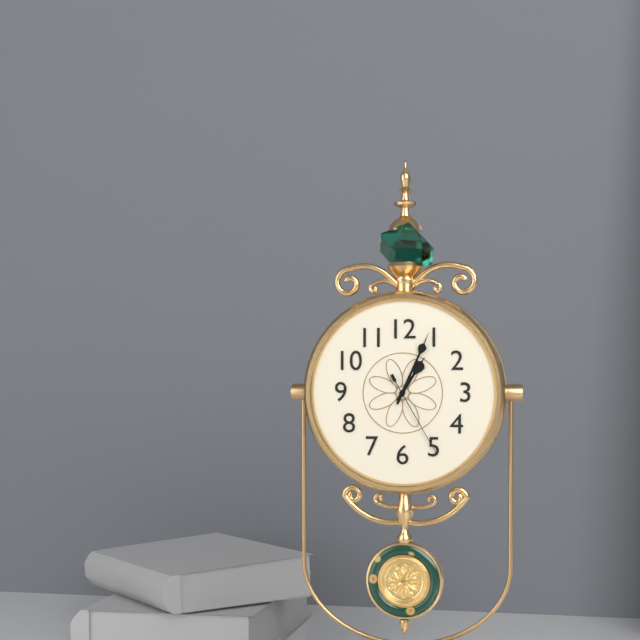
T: 1:04:25
